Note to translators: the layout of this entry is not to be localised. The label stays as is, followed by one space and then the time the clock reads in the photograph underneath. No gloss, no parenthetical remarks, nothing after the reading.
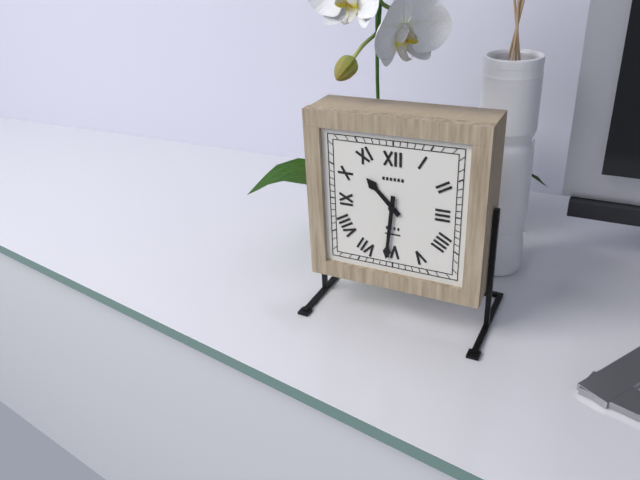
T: 10:31
